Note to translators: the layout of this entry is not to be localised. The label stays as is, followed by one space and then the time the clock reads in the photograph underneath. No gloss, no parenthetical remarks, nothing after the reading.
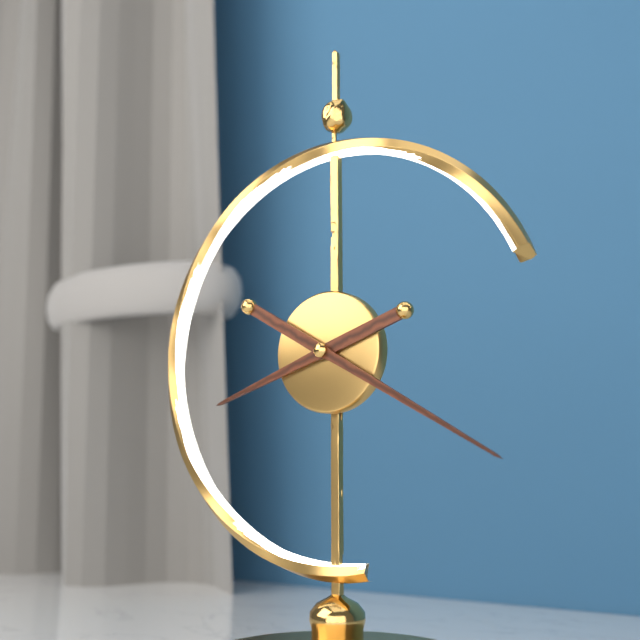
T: 8:20
